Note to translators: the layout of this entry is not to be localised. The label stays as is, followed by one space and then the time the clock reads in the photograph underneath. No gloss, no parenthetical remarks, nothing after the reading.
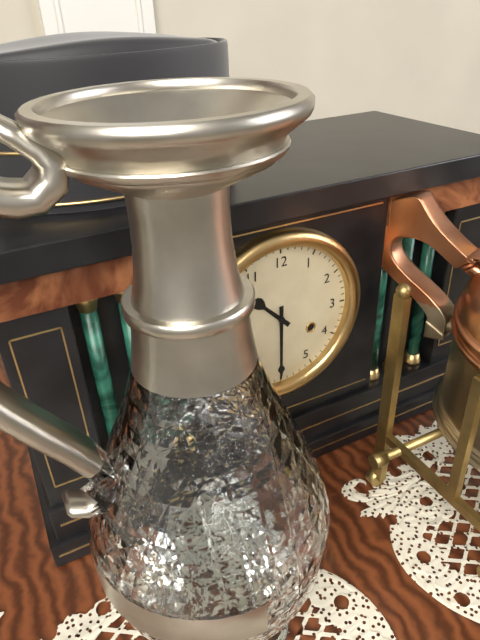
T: 10:30
